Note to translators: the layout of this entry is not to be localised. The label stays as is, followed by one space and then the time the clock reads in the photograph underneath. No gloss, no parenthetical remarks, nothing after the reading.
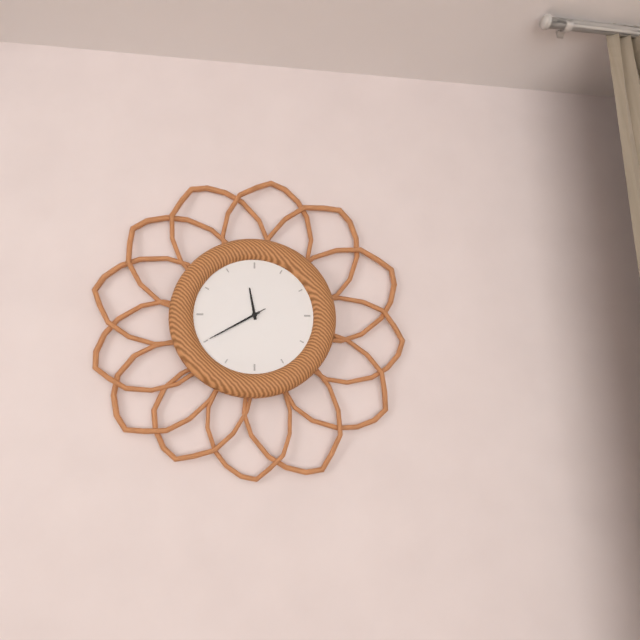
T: 11:40:40
